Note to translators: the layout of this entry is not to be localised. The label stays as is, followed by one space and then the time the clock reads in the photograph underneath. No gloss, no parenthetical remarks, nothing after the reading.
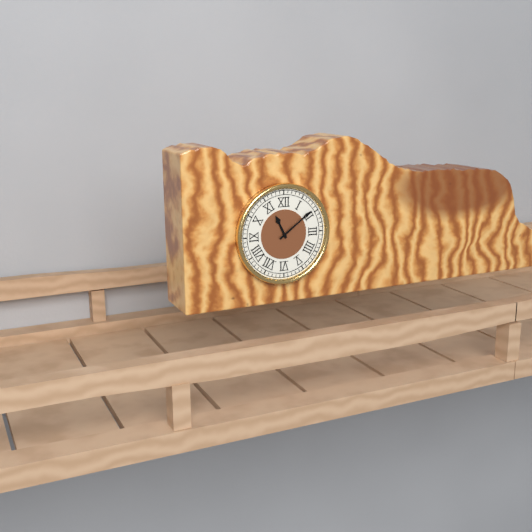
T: 11:09
